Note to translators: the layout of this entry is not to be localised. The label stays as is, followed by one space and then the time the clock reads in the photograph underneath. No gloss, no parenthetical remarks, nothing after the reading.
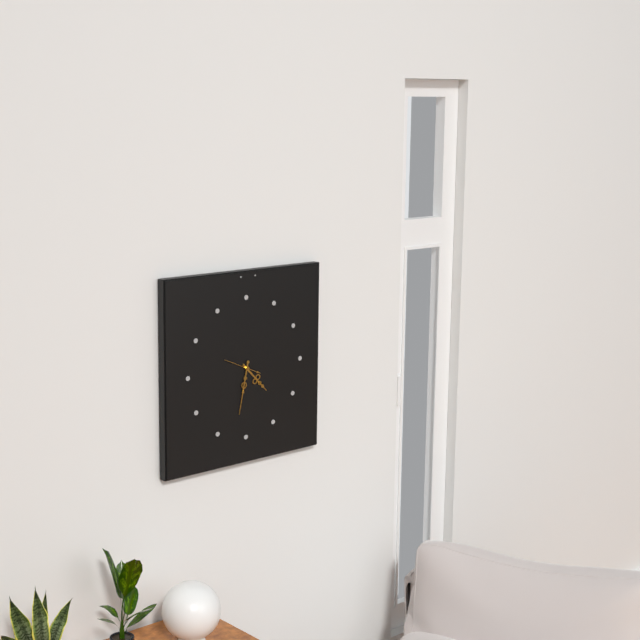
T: 4:32
